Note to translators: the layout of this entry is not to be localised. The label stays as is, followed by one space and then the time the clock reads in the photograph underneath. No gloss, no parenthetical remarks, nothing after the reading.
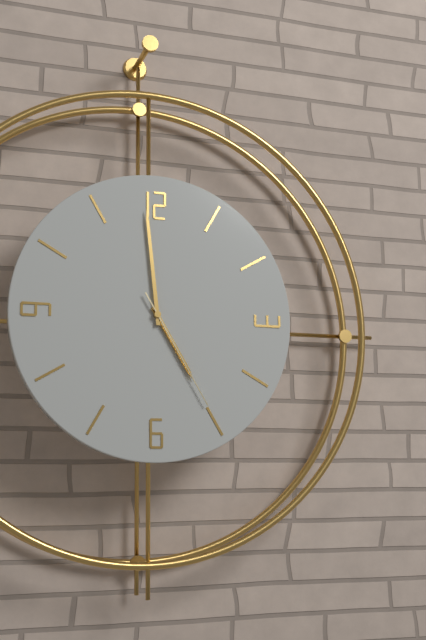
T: 4:59:25
